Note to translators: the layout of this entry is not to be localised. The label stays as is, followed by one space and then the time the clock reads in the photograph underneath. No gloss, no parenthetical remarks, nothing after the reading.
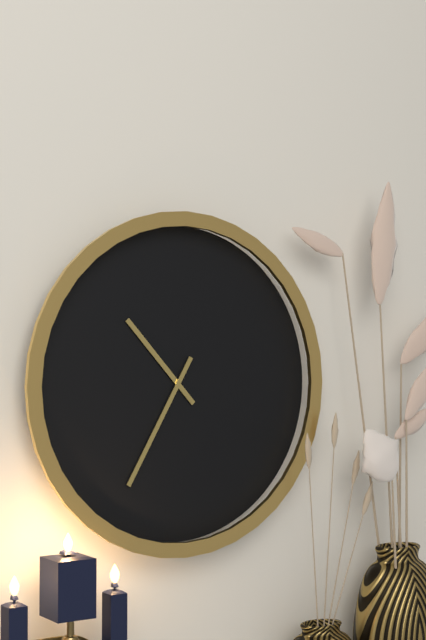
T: 10:35
